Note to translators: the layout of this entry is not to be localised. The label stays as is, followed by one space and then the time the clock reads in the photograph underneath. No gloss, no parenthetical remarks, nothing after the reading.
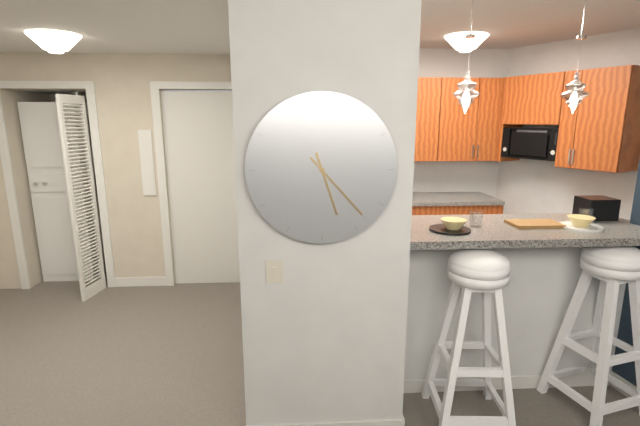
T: 5:23
